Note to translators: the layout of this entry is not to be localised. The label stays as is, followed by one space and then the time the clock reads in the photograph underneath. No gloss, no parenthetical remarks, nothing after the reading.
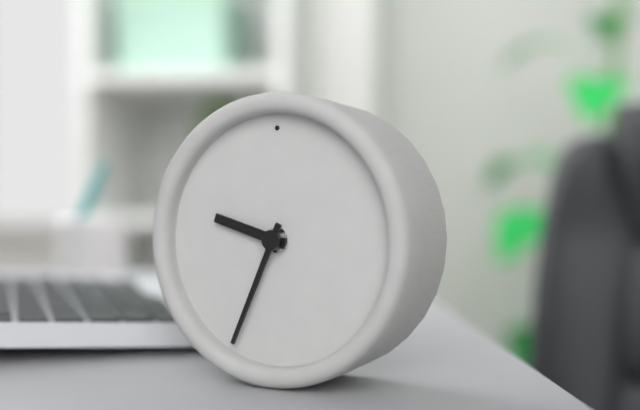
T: 9:34
